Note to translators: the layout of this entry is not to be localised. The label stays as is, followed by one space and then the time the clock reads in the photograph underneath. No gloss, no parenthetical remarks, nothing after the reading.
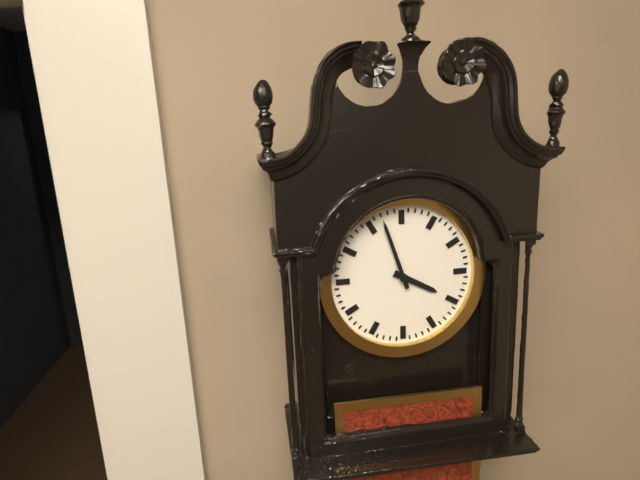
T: 3:57
